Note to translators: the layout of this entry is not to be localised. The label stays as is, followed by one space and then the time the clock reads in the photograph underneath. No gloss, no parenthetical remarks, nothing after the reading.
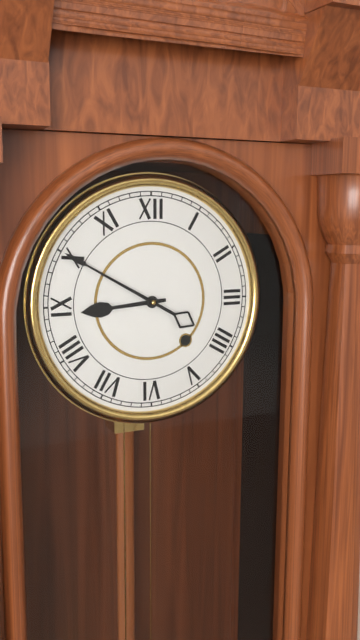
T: 8:50
